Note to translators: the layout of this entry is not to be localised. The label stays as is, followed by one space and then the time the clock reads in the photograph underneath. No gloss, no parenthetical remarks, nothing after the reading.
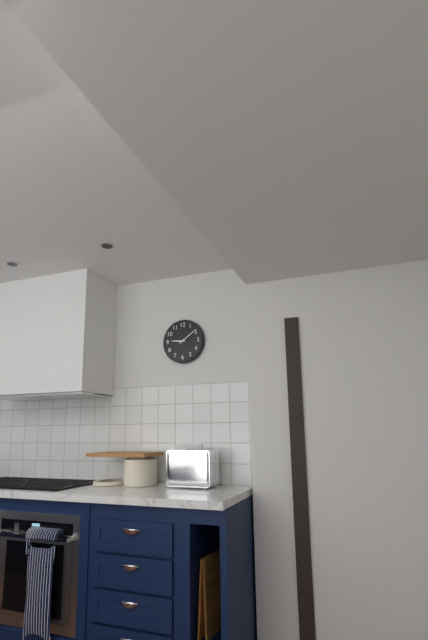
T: 9:09
